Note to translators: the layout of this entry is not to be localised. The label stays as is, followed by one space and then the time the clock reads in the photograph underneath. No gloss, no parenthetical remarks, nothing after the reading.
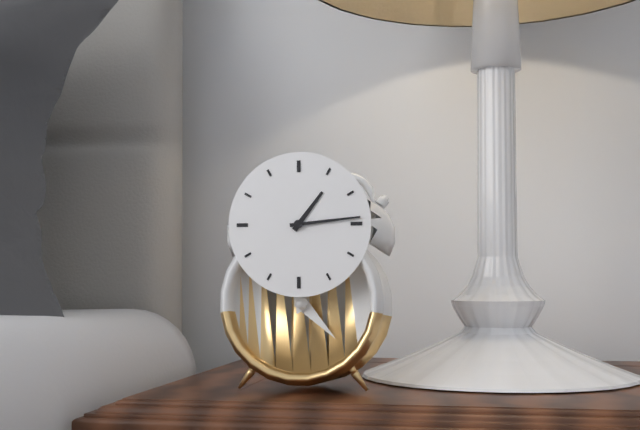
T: 1:14
